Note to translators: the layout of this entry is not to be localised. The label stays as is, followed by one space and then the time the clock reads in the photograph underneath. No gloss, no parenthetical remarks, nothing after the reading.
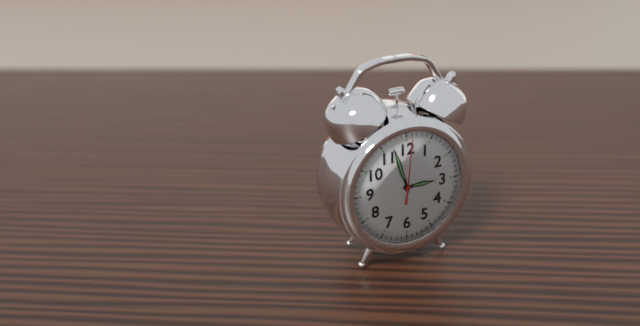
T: 2:57:01
